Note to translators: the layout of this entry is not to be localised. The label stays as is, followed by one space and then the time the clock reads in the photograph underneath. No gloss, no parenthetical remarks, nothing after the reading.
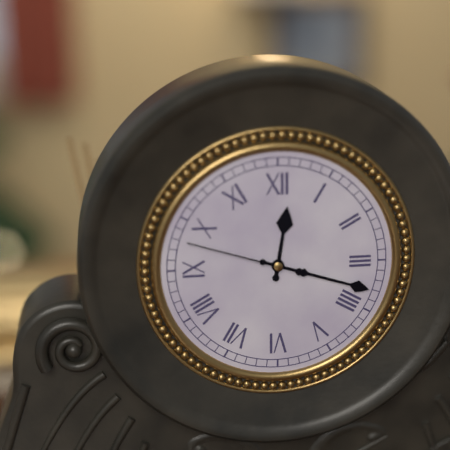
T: 12:18:48
